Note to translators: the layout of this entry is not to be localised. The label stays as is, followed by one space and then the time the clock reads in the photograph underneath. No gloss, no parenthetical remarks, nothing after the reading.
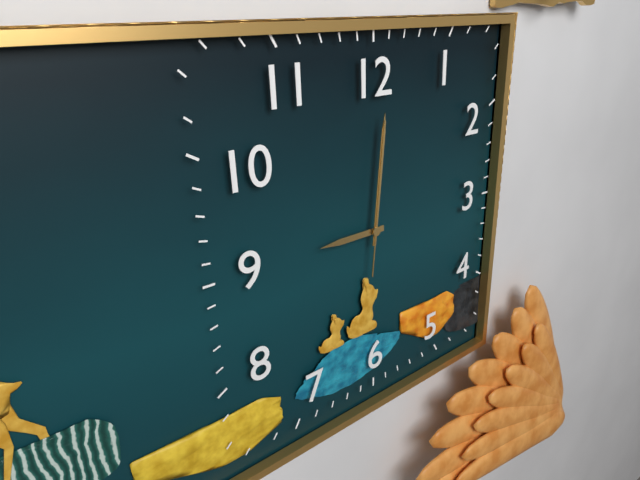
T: 9:01:01
